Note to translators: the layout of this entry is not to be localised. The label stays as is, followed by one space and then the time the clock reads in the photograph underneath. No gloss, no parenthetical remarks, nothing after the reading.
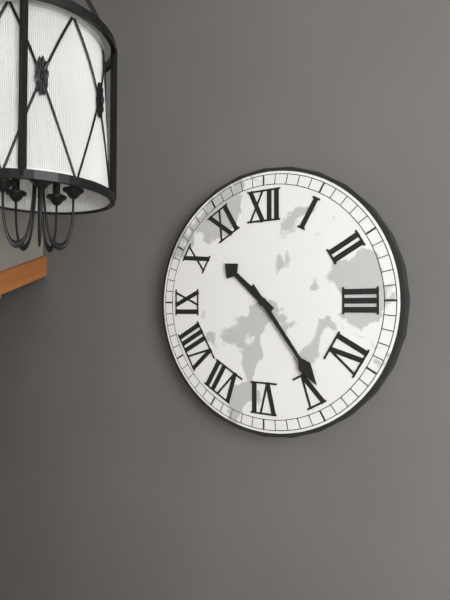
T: 10:24
